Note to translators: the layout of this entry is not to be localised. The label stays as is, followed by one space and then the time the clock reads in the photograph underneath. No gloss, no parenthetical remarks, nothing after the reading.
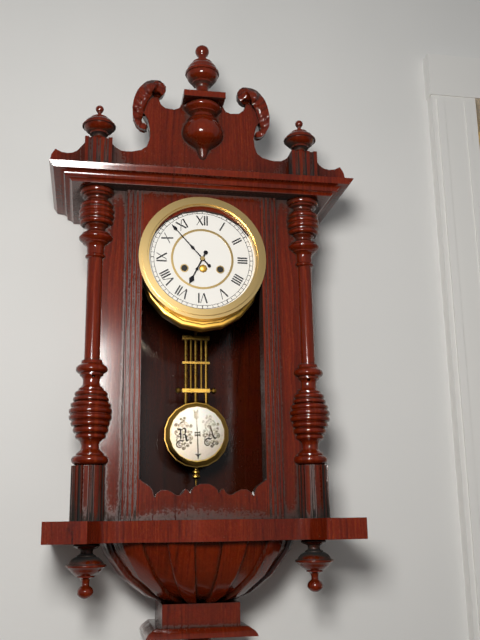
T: 6:53
